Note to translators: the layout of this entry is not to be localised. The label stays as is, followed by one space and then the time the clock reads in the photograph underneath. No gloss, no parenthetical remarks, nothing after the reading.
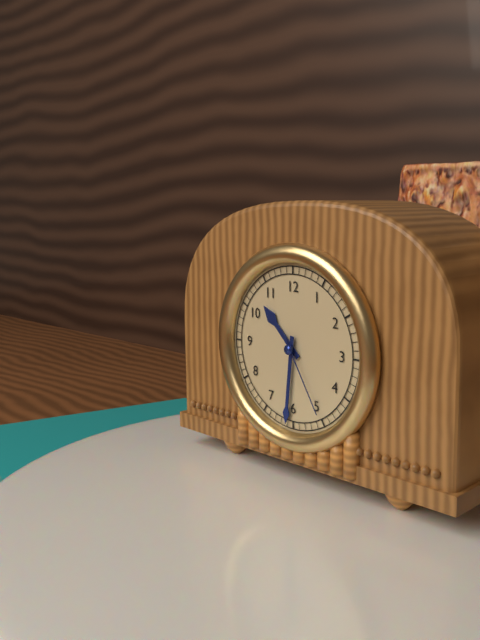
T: 10:31:25
